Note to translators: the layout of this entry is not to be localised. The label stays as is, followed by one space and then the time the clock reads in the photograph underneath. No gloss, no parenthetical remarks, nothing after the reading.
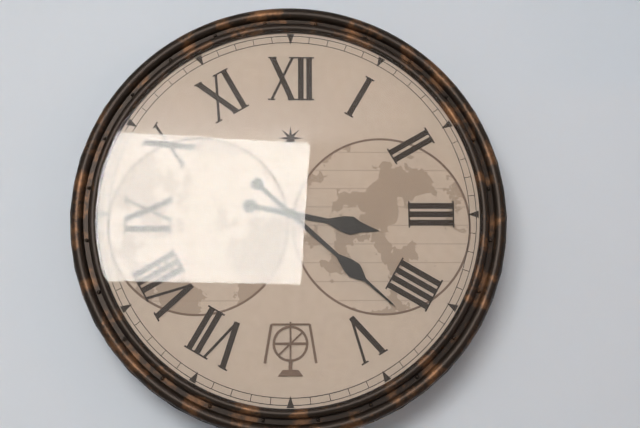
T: 3:22
